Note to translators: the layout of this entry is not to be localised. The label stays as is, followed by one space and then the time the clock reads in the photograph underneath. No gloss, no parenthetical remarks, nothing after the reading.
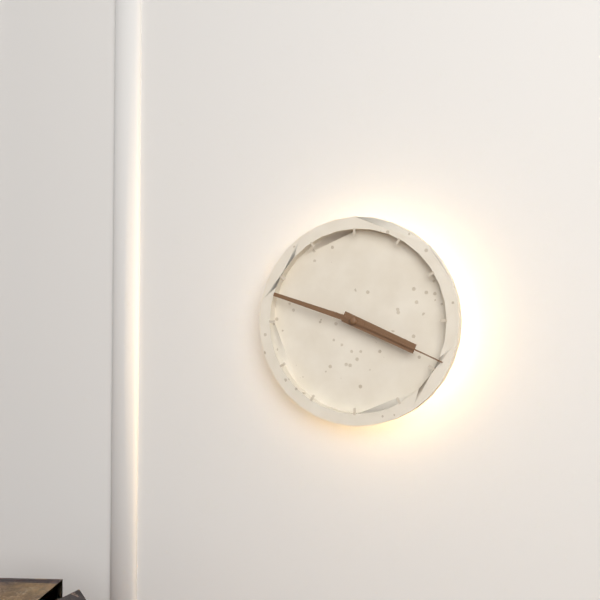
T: 3:48:19
